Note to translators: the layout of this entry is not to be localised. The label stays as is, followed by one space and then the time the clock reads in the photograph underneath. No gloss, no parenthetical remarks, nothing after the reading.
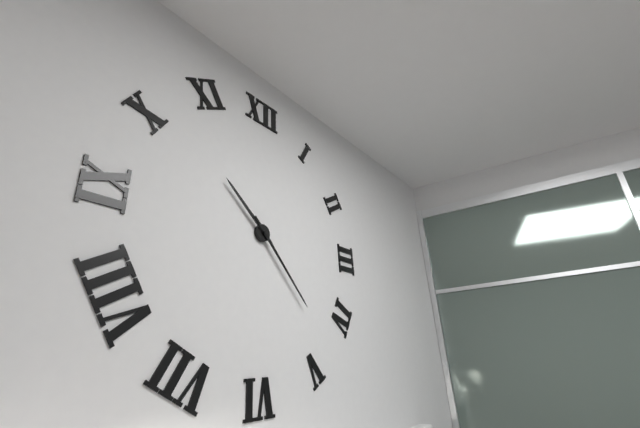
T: 10:23
